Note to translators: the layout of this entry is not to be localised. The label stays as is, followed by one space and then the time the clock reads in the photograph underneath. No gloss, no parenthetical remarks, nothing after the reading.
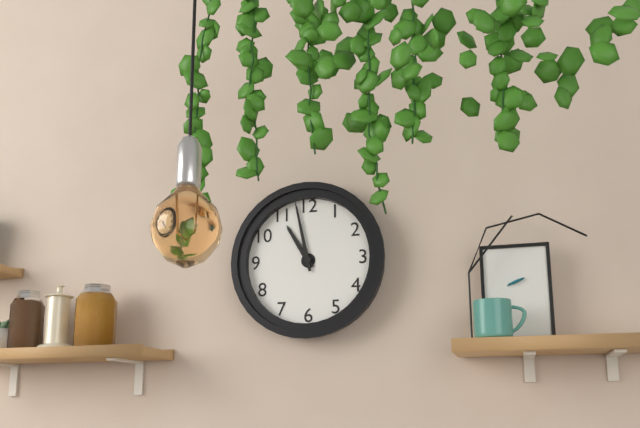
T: 10:58
